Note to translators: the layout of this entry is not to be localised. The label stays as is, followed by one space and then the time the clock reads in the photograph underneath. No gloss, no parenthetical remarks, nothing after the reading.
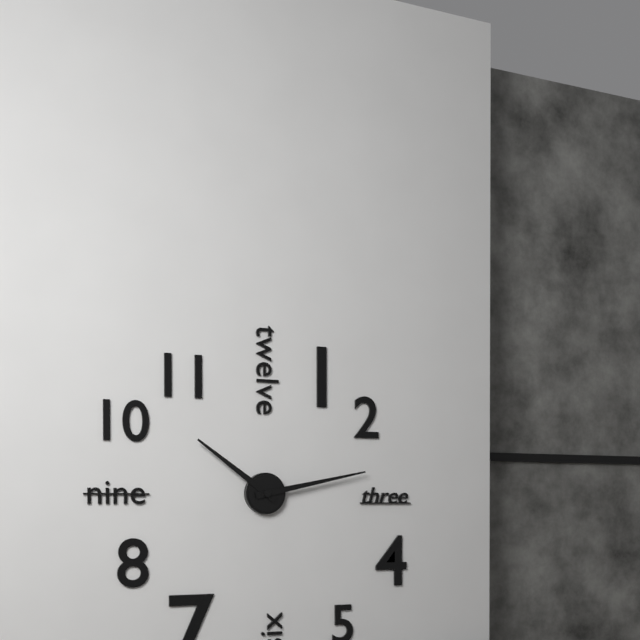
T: 10:13
